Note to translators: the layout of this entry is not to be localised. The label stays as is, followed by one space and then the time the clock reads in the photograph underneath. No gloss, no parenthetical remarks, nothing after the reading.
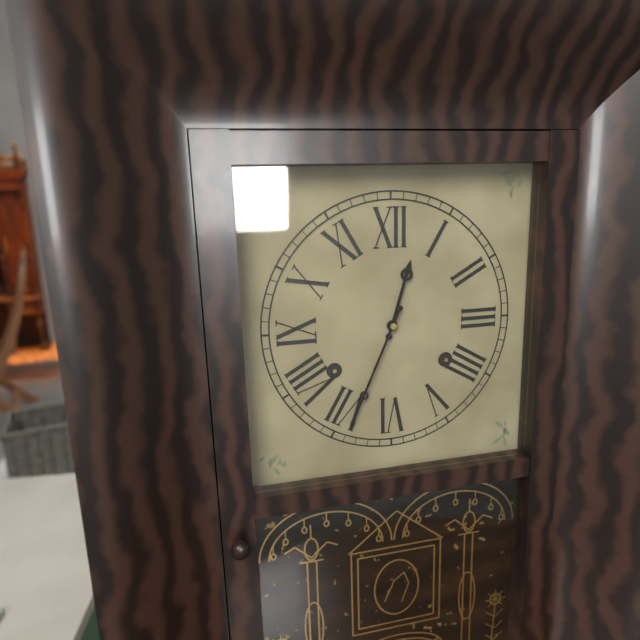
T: 12:34
